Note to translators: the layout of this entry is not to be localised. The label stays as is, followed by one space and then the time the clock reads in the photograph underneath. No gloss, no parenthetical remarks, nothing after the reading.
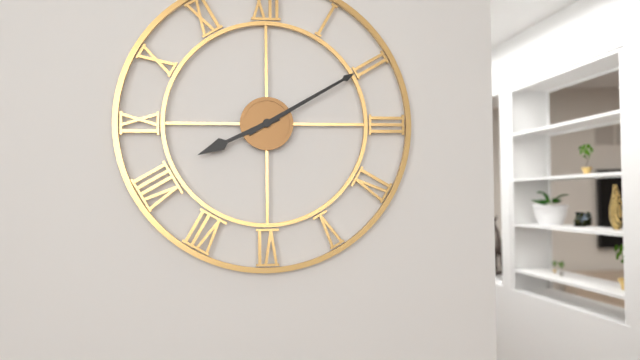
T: 8:10
